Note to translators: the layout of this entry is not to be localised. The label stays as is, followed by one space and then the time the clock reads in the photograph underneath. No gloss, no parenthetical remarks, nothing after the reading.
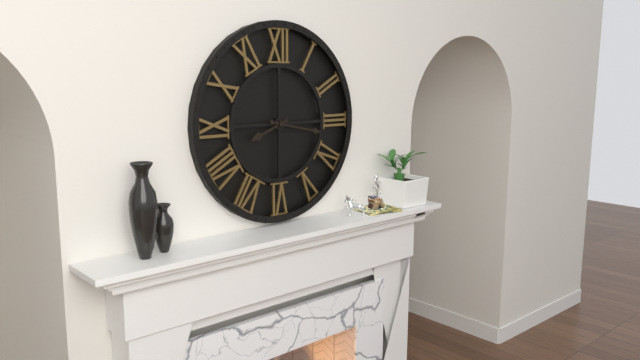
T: 8:17
